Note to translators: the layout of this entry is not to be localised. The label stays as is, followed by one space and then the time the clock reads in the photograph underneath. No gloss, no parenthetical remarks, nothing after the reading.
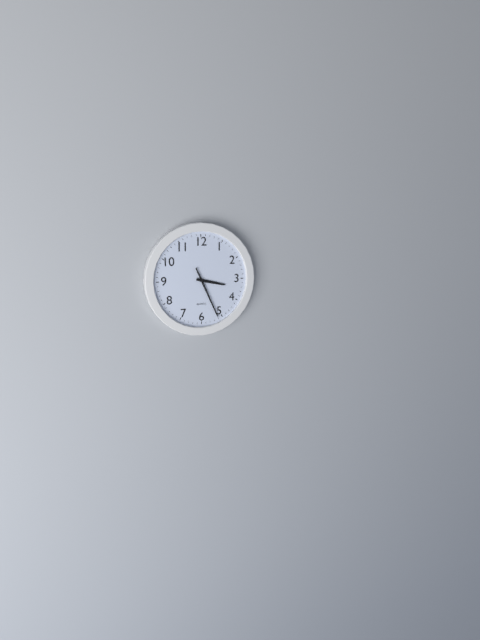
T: 3:26
